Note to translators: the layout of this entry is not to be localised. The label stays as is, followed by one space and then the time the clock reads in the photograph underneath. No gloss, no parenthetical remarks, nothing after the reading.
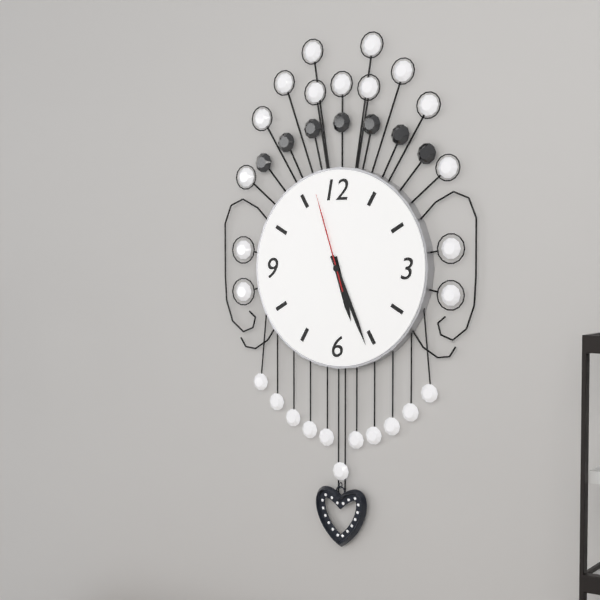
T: 5:26:57
